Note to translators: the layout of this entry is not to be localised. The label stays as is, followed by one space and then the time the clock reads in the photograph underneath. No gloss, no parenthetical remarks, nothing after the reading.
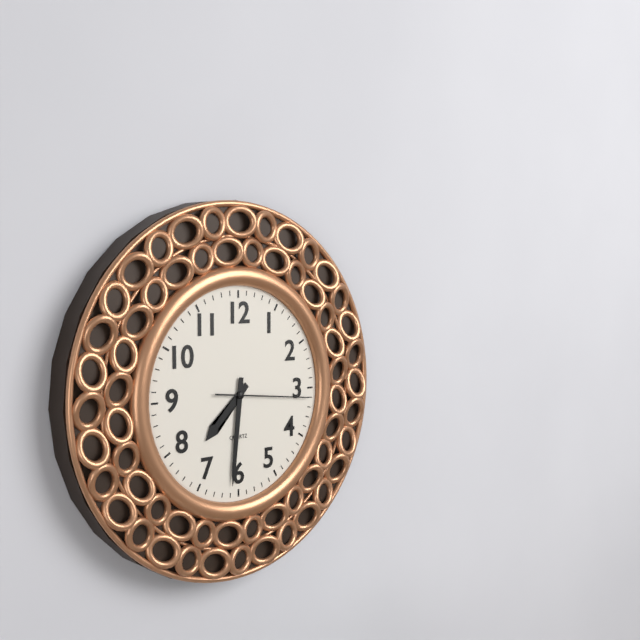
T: 7:31:16
